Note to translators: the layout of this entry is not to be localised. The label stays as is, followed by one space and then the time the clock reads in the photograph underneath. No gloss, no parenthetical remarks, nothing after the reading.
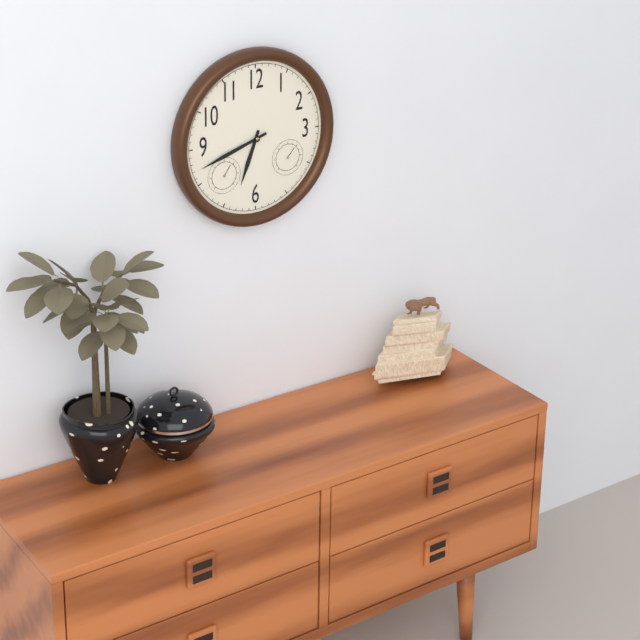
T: 6:42
